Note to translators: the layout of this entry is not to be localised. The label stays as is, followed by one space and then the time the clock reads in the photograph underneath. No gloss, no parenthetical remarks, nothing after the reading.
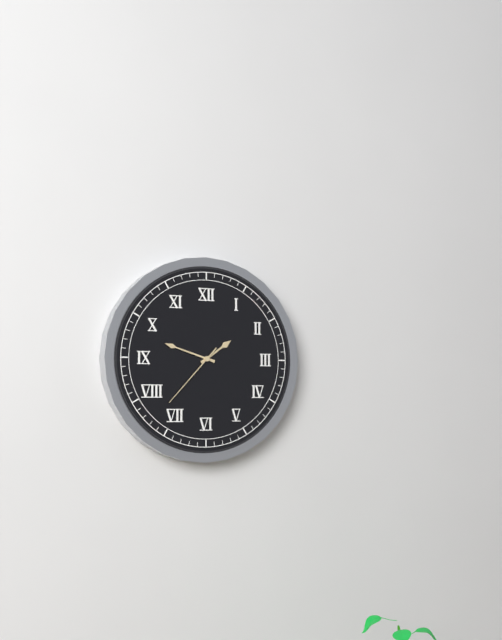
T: 1:48:37
